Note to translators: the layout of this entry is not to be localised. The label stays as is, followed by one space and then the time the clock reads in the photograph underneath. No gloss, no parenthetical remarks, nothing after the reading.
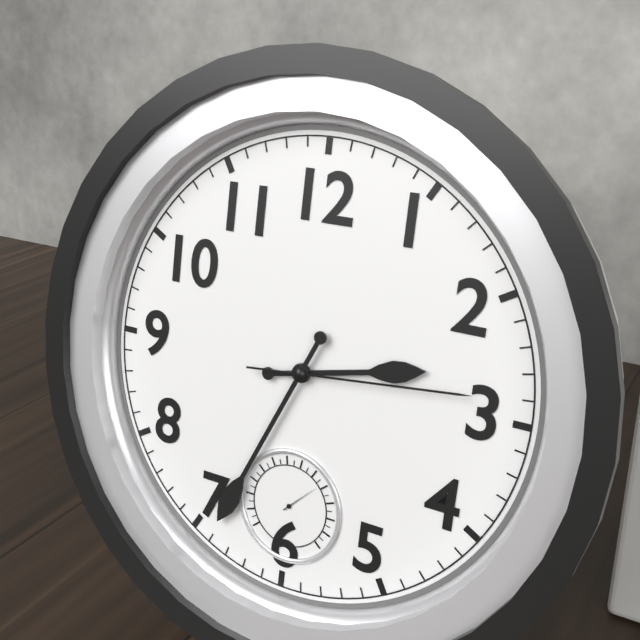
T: 2:34:14
